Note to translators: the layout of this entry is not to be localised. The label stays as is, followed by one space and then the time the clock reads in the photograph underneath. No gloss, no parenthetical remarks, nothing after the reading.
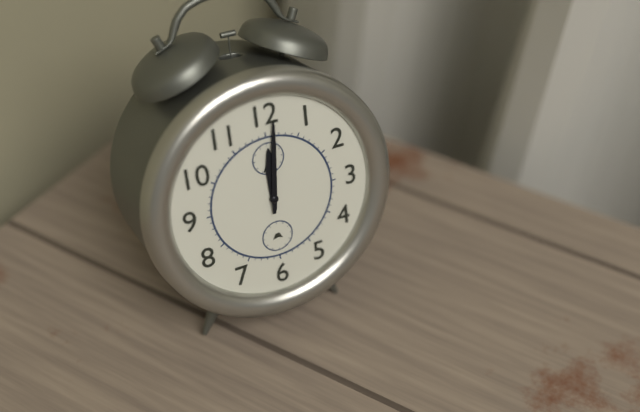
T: 12:01
